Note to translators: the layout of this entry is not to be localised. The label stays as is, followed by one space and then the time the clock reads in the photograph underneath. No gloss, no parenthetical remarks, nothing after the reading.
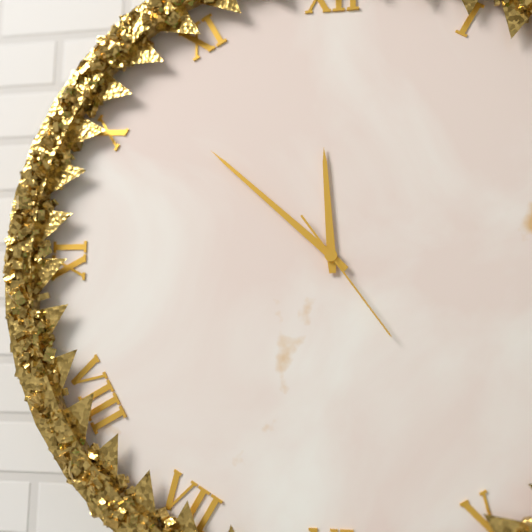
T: 11:52:24
